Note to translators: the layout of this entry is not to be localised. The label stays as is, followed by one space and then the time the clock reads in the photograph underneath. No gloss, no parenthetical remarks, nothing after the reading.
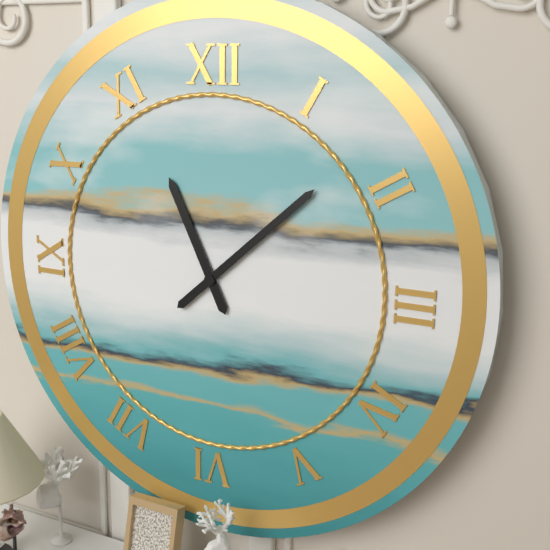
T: 11:08
